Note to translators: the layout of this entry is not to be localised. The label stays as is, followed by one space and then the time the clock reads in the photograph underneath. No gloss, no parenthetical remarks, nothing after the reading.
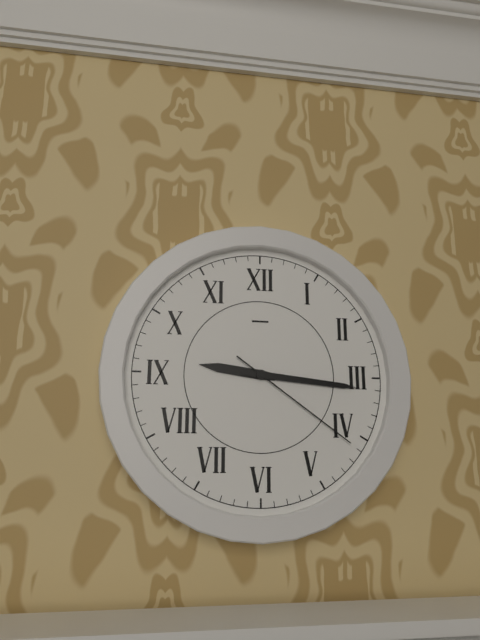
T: 9:16:21
